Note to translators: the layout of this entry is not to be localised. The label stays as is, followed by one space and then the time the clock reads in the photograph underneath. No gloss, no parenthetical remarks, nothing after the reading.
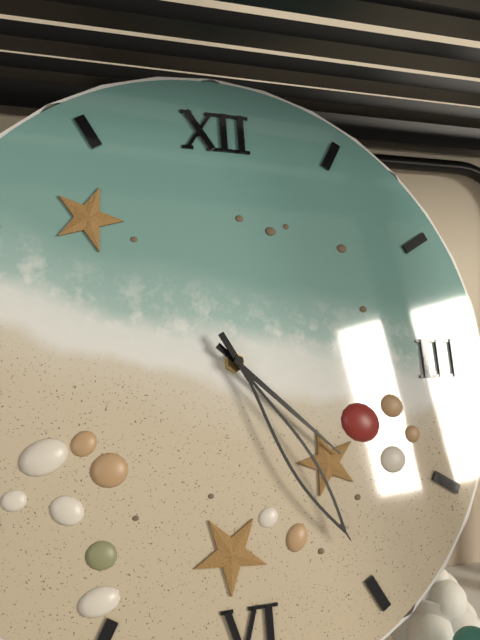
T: 4:25
